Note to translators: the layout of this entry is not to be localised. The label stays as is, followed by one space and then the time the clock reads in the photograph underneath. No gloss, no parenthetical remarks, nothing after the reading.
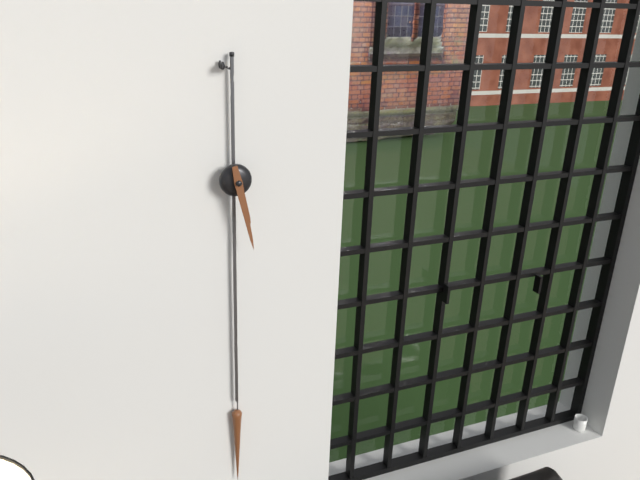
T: 5:28
